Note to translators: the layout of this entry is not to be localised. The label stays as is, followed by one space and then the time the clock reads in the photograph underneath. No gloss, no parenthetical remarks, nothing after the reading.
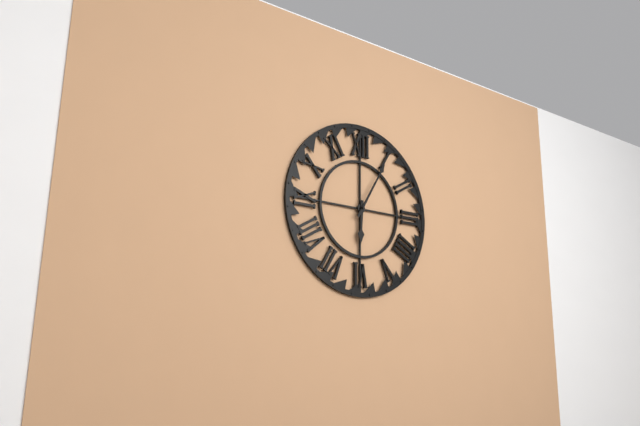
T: 6:05
